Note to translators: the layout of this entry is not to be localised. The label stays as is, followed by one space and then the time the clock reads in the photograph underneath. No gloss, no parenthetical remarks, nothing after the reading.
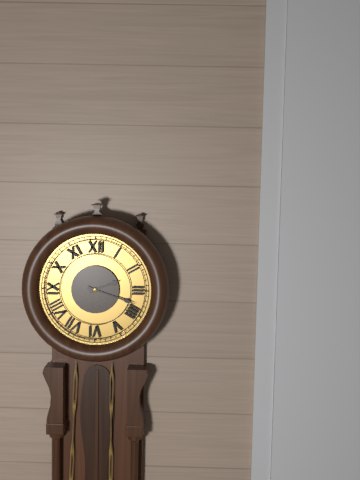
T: 2:18
